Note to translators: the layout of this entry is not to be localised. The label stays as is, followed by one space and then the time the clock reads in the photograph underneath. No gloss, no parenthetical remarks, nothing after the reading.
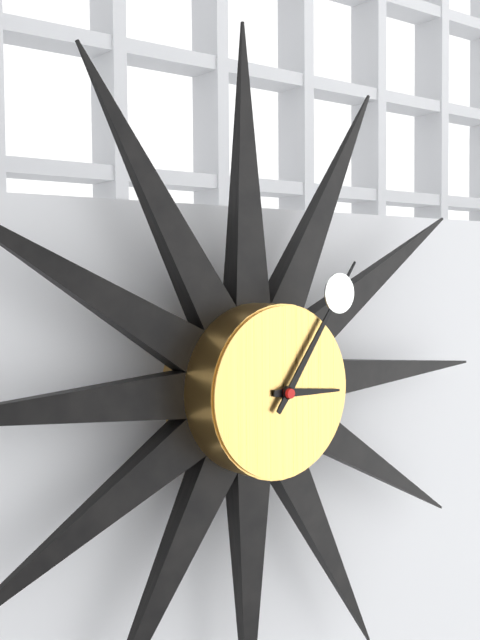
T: 3:06
